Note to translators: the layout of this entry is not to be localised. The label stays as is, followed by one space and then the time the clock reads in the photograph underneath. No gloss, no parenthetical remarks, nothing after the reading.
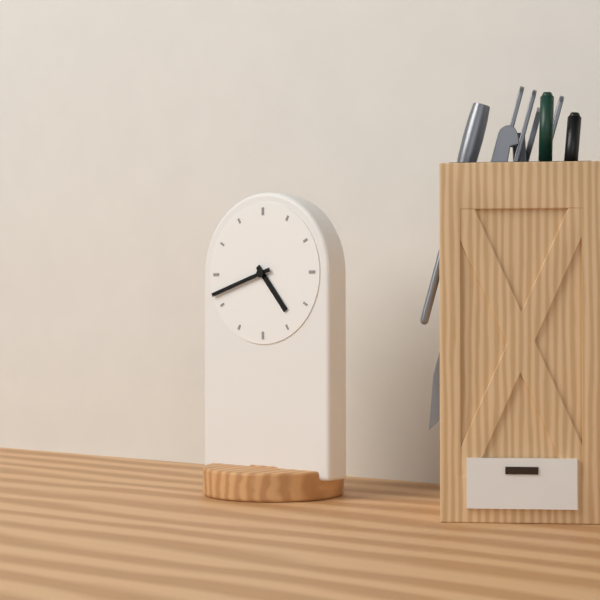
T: 4:42
